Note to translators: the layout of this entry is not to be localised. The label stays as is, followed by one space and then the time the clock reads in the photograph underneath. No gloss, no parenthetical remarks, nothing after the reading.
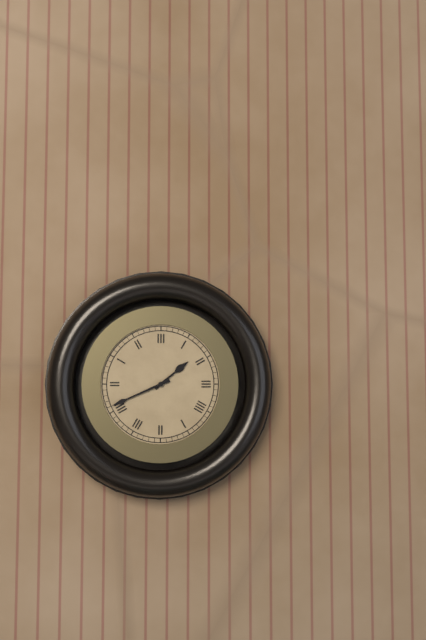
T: 1:41
